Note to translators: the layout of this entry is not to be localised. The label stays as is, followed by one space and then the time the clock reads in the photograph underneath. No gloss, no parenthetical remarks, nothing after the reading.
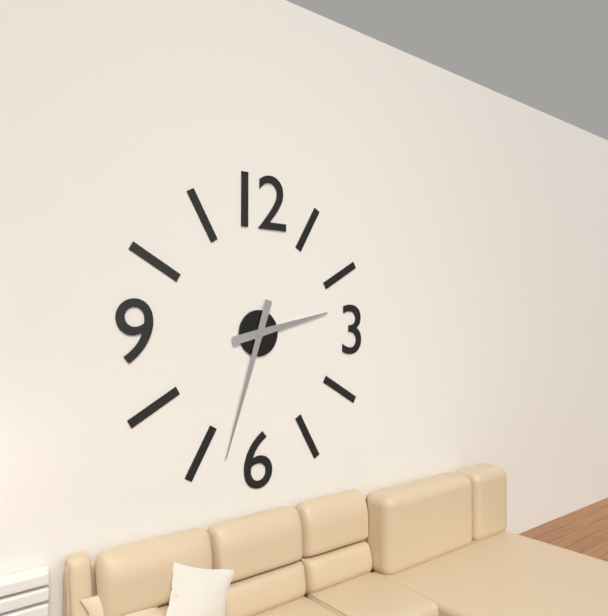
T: 2:33
